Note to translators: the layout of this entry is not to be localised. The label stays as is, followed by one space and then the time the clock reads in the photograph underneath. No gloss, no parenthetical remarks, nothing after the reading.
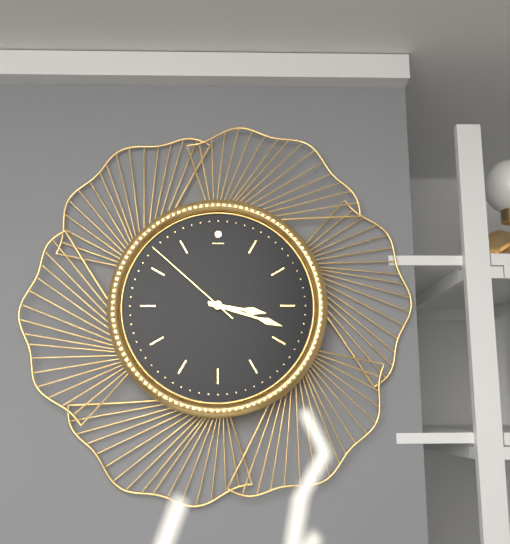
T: 3:18:52
